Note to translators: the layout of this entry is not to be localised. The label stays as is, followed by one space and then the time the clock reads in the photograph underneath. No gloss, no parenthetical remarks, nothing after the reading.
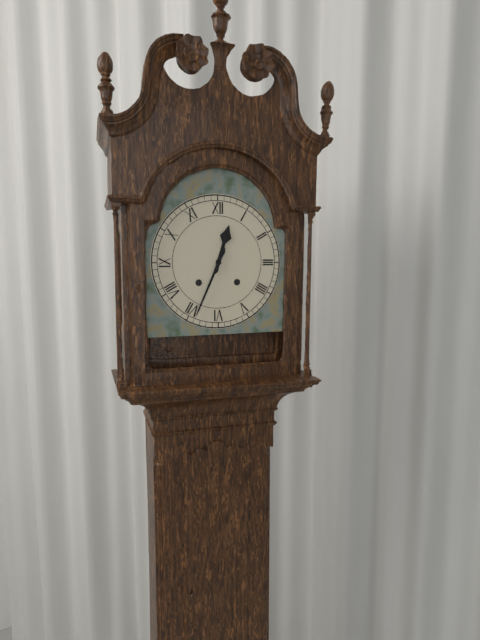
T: 12:34
